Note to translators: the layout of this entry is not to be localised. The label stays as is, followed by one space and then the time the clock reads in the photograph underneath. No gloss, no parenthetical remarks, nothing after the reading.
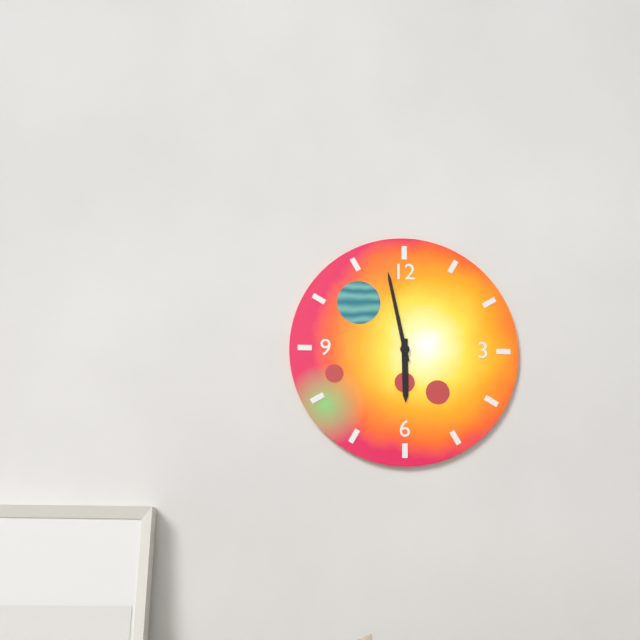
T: 5:58
